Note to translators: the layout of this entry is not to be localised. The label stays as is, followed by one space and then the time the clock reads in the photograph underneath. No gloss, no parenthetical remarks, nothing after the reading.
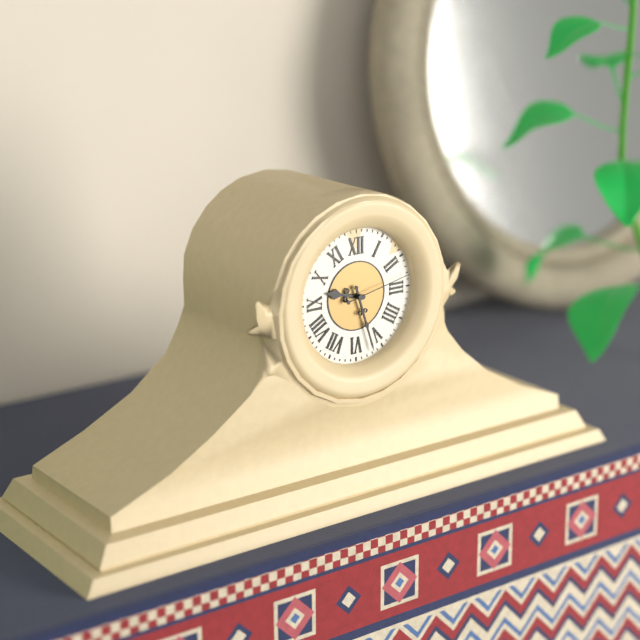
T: 9:27:13
